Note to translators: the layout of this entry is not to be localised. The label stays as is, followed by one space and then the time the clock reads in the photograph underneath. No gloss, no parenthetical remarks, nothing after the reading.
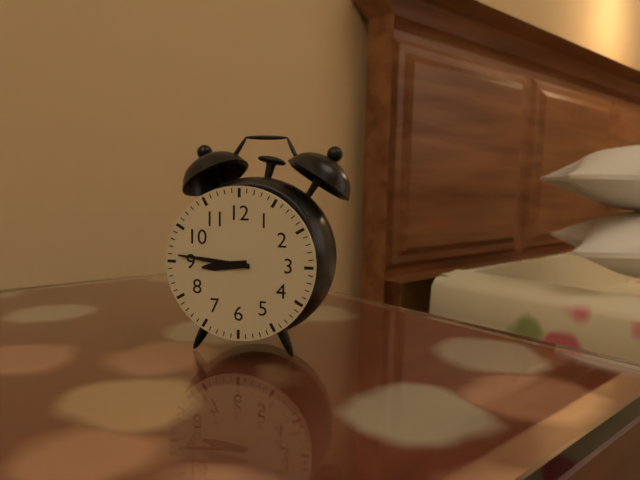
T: 8:46
